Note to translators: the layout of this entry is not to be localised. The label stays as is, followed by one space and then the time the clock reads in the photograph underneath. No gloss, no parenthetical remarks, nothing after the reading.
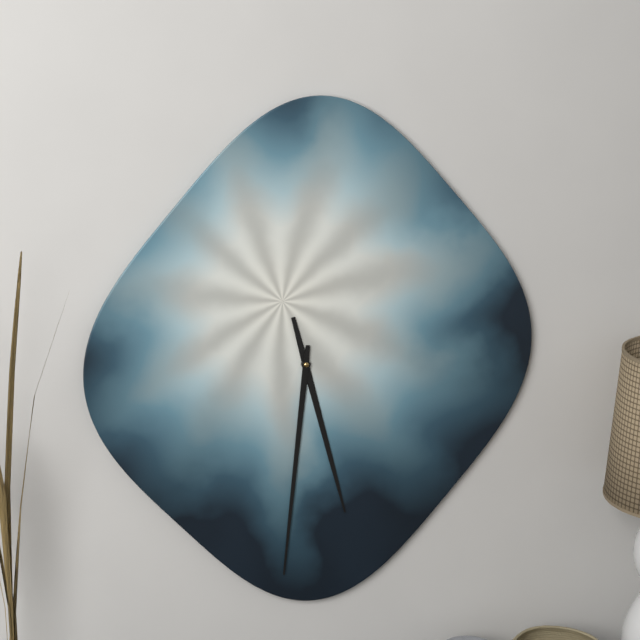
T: 5:31
